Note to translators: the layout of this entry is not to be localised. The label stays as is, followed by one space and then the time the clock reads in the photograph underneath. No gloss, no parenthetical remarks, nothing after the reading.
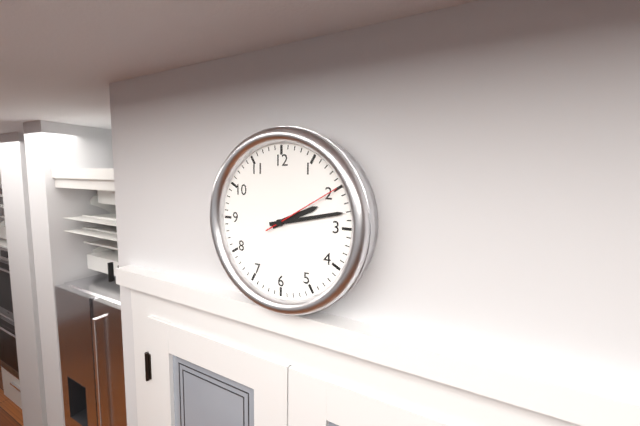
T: 2:13:10
